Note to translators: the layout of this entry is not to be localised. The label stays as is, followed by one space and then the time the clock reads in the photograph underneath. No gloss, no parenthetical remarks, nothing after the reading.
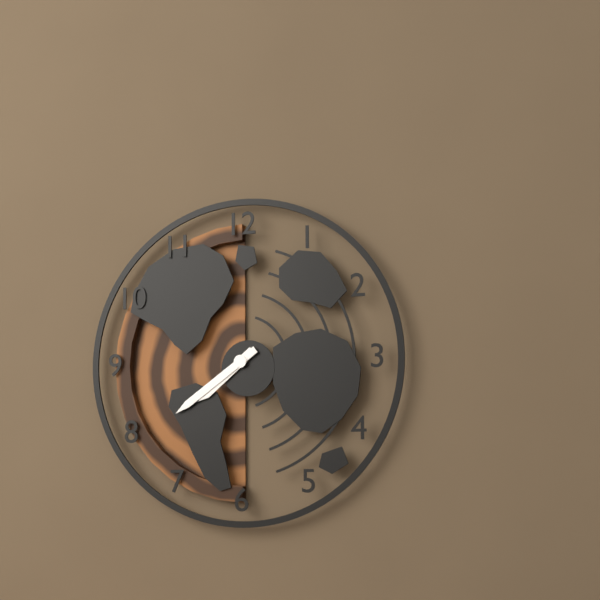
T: 7:39
